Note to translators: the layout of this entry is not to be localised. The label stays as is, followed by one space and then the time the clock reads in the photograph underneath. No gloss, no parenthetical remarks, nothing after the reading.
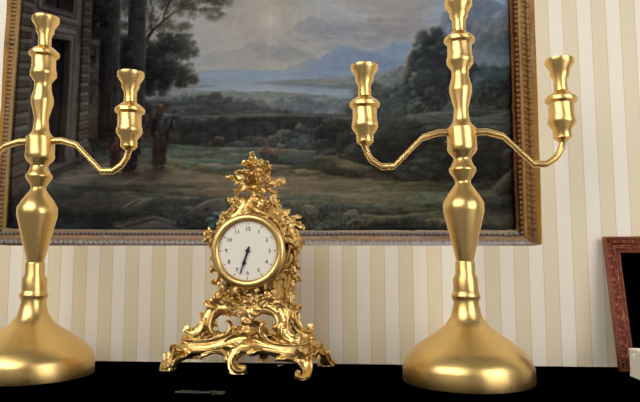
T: 6:33
